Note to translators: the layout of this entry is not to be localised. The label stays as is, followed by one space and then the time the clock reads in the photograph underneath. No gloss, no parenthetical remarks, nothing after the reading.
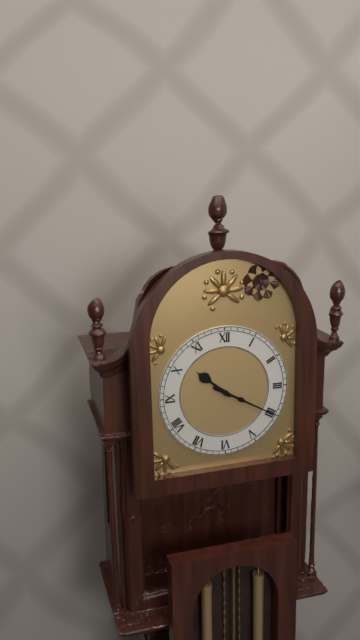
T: 10:20
